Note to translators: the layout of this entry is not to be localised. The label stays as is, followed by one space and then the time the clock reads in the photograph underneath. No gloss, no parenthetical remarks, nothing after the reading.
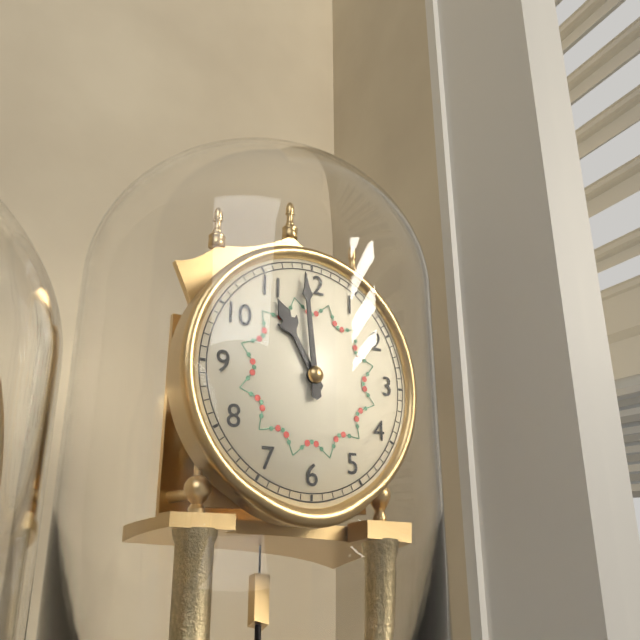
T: 10:59
